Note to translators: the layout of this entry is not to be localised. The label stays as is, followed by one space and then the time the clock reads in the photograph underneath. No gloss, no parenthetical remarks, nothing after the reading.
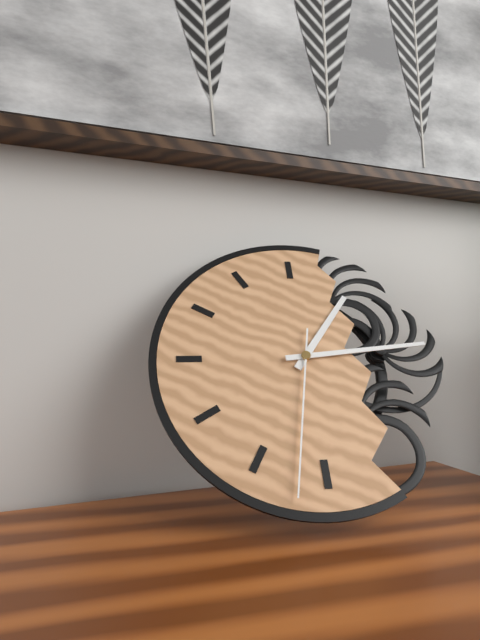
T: 1:14:32
